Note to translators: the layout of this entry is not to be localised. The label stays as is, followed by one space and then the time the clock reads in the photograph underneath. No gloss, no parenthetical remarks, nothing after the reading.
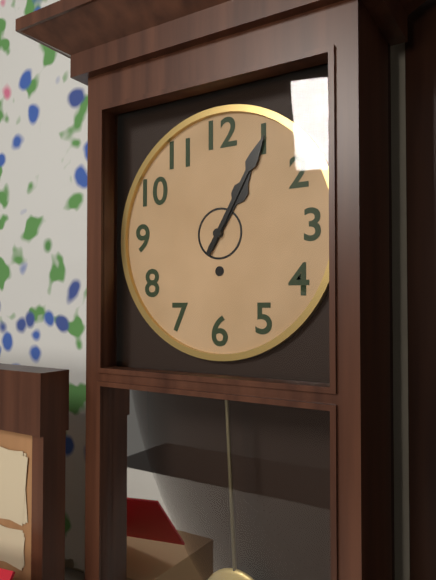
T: 1:05
